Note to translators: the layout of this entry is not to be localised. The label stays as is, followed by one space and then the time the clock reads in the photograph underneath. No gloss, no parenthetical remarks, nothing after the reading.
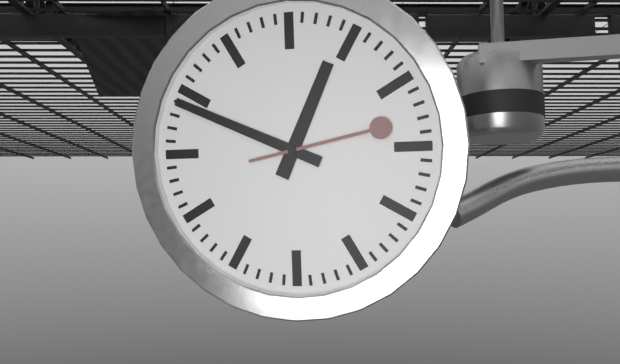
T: 12:49:13
